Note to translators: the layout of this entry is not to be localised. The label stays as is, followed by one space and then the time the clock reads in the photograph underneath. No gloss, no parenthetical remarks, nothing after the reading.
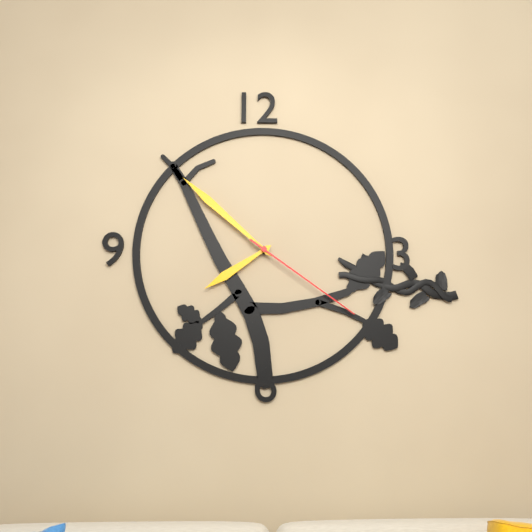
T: 7:52:21
